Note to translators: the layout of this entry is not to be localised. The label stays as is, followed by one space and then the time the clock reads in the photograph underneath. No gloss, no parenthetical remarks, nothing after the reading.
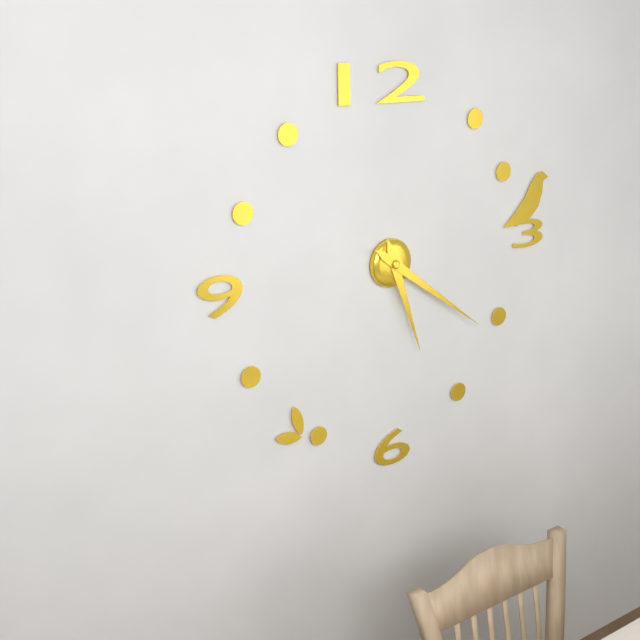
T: 5:21
